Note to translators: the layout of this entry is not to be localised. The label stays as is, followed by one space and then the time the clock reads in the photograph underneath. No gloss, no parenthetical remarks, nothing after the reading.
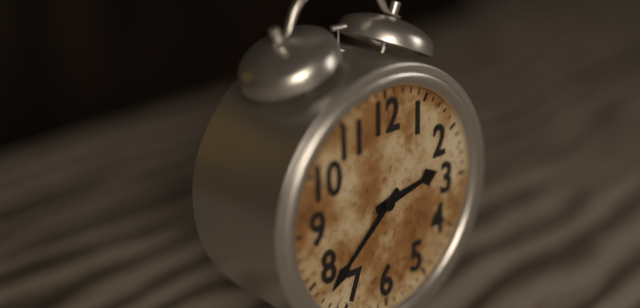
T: 2:38
